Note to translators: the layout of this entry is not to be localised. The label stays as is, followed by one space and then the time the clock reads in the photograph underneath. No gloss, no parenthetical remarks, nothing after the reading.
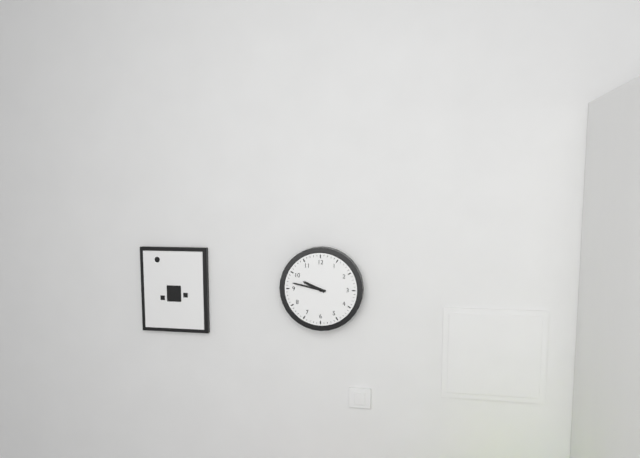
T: 9:47
